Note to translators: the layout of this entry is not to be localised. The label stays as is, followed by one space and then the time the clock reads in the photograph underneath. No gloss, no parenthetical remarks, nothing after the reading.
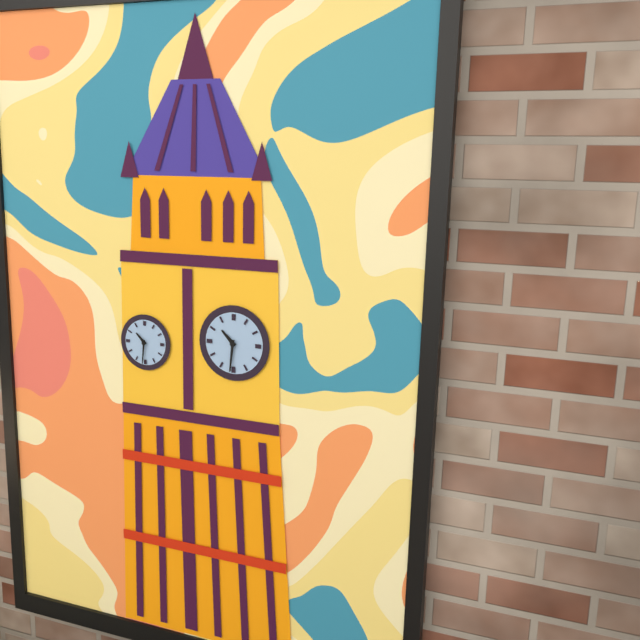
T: 10:31
